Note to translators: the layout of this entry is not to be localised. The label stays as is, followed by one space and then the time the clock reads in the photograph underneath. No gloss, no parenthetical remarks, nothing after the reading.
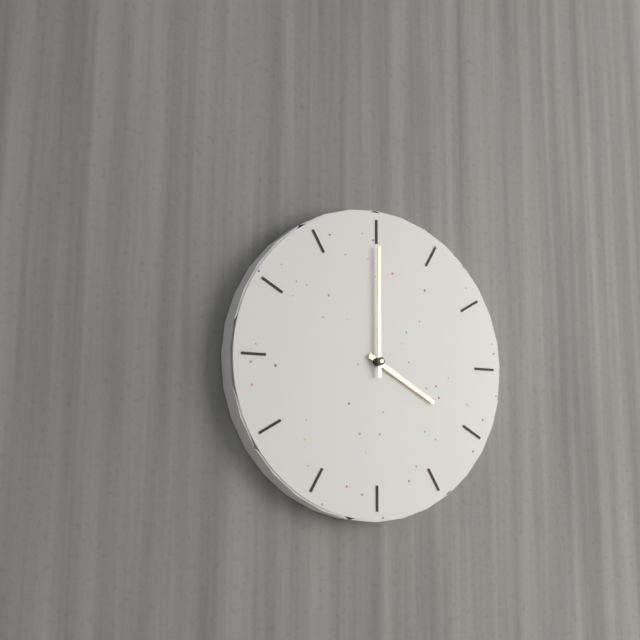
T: 4:00
